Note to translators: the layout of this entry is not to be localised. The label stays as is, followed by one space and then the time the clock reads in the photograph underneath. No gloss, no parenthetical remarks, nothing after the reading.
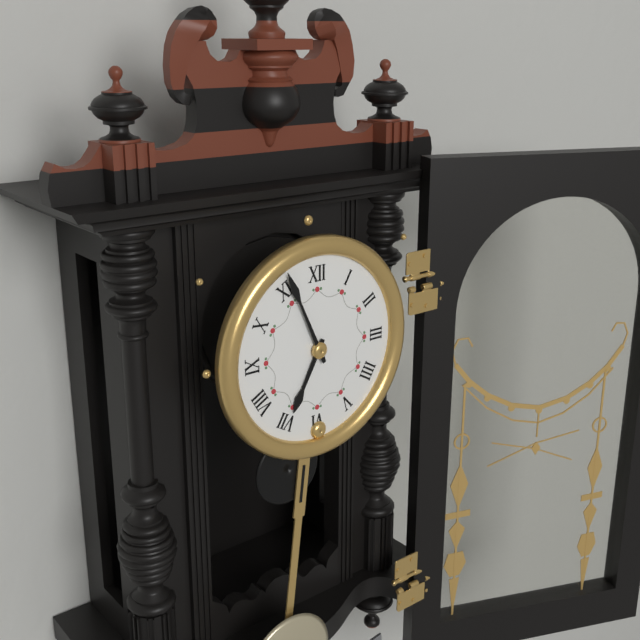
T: 6:56
